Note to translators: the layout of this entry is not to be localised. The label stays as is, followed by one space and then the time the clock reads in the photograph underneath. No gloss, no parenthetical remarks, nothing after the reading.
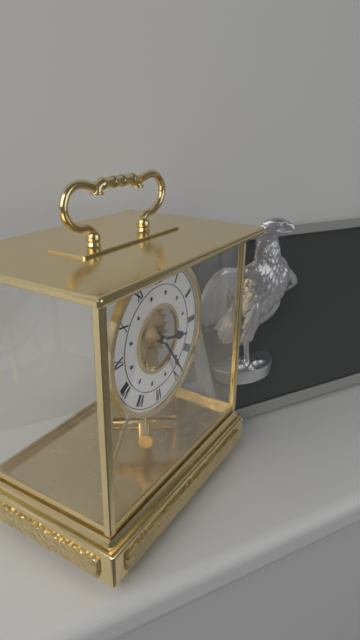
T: 3:24
